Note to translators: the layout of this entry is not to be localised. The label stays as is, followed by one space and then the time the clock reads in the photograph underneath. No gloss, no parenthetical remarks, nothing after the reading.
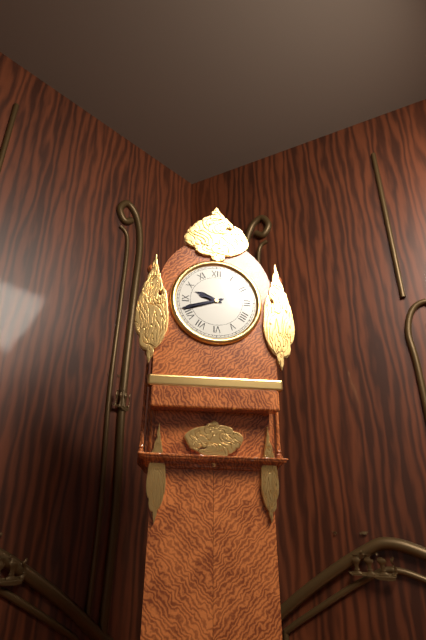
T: 9:42
